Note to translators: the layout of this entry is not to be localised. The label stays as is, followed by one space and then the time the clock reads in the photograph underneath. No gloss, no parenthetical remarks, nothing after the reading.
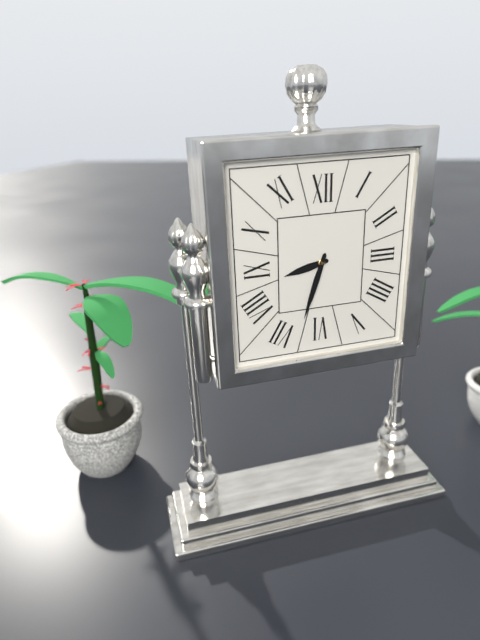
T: 8:33
